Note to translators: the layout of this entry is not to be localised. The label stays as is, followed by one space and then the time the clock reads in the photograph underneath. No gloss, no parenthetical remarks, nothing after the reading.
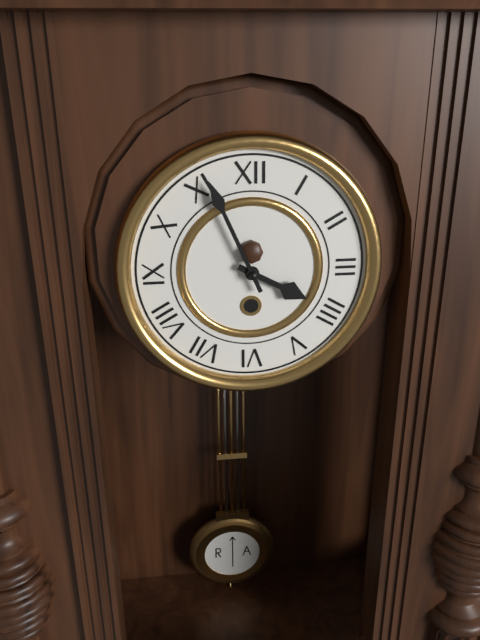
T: 3:56
